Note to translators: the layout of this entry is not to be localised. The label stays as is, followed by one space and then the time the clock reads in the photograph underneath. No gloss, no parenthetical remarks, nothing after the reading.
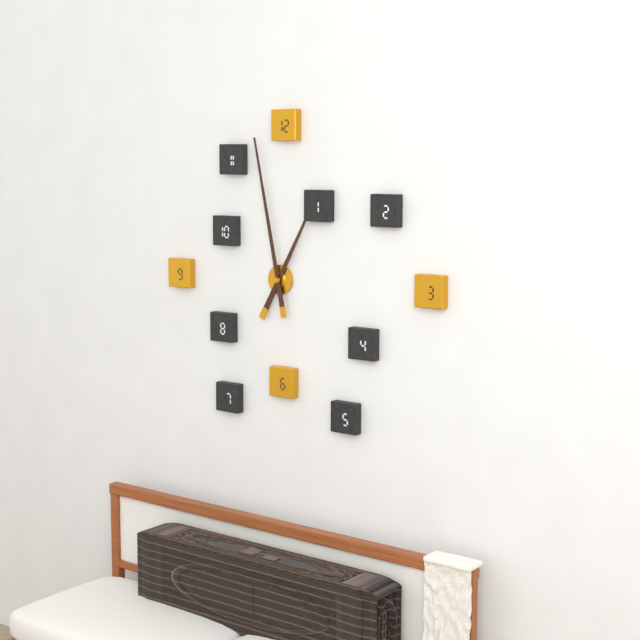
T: 12:58
